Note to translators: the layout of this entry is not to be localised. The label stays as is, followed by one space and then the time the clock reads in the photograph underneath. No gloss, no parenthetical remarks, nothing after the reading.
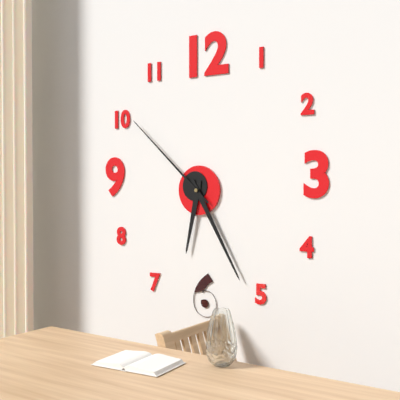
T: 6:25:52
